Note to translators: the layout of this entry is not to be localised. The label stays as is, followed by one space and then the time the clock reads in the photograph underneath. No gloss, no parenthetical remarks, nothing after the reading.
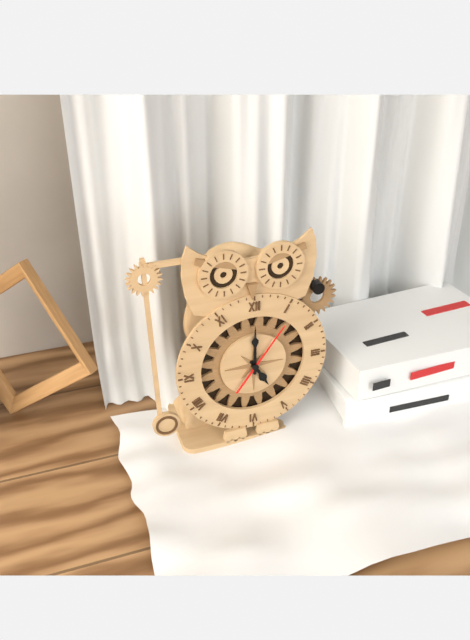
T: 5:00:06
